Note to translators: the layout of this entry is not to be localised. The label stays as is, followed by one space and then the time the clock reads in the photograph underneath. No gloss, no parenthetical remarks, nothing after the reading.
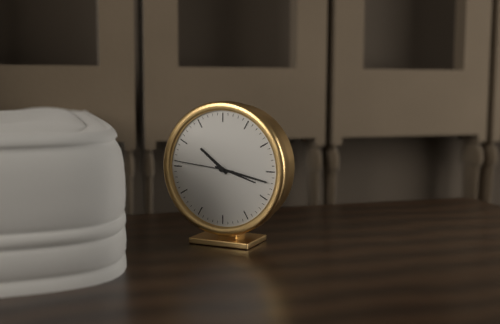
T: 10:17:46
